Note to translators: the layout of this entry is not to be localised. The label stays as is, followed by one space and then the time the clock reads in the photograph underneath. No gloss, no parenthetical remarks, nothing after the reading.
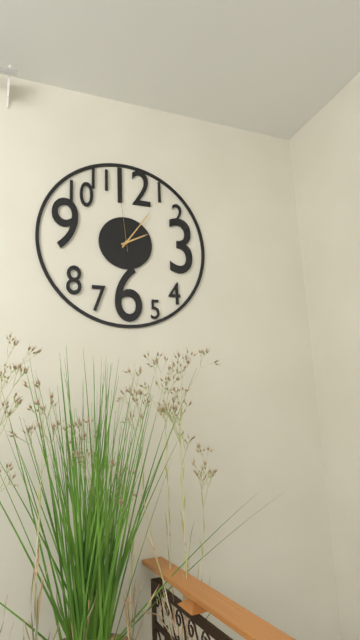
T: 2:06:59
